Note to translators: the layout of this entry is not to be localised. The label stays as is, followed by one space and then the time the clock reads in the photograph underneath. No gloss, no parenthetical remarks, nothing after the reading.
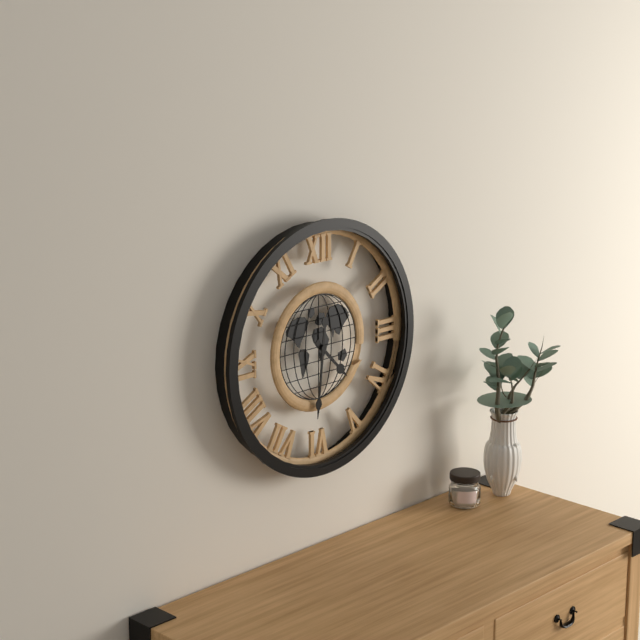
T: 4:31
